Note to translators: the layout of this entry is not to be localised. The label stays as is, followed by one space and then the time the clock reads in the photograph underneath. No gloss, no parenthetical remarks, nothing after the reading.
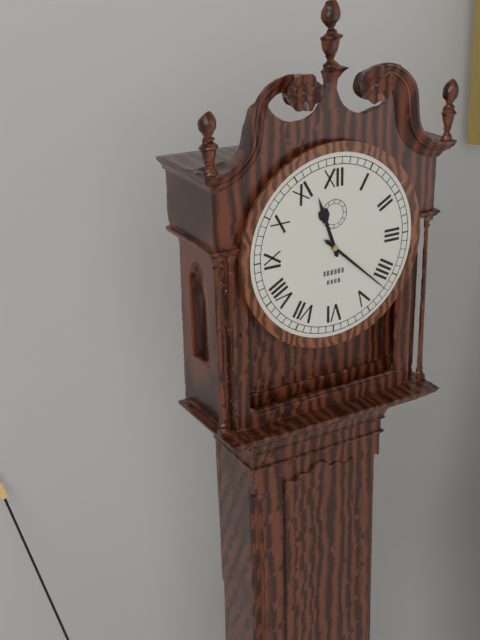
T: 11:22
